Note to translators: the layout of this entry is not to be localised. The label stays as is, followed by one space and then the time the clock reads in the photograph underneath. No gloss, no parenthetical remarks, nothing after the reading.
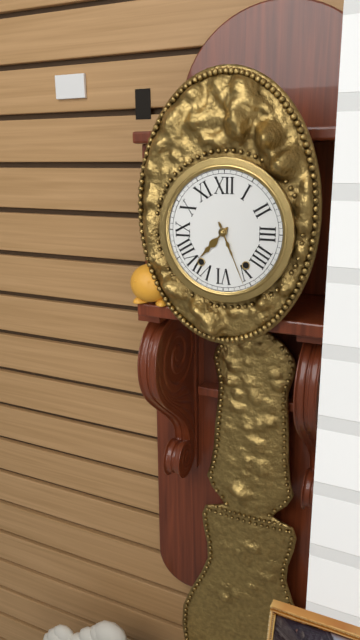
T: 7:26
